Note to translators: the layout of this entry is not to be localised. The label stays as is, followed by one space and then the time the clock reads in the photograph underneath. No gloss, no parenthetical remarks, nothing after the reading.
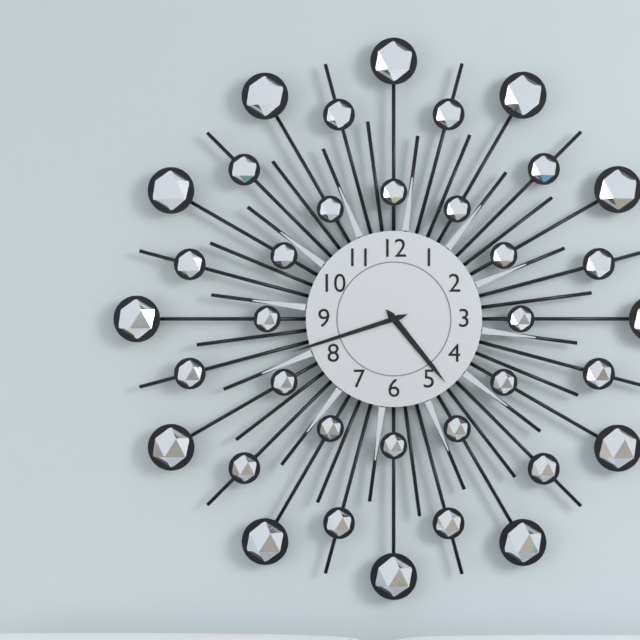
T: 4:42
